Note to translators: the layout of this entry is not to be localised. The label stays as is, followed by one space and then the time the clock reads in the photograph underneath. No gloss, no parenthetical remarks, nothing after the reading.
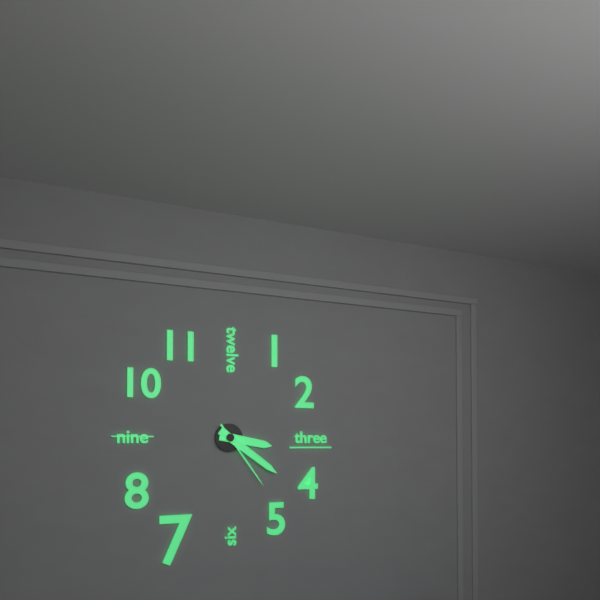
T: 3:21:24
